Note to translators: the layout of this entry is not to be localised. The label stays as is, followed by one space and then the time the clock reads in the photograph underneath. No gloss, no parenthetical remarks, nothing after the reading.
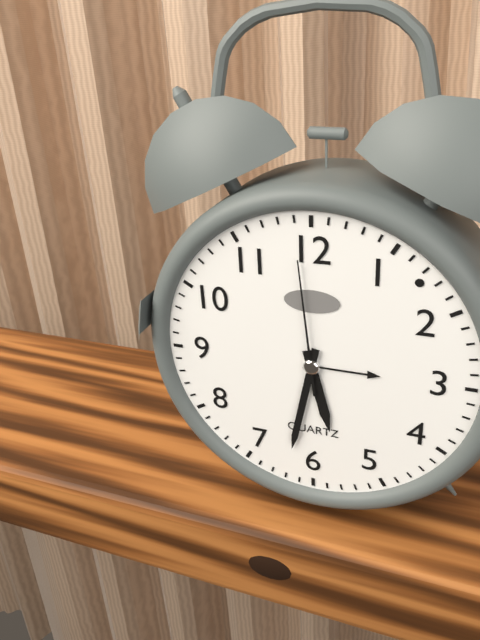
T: 5:32:59
